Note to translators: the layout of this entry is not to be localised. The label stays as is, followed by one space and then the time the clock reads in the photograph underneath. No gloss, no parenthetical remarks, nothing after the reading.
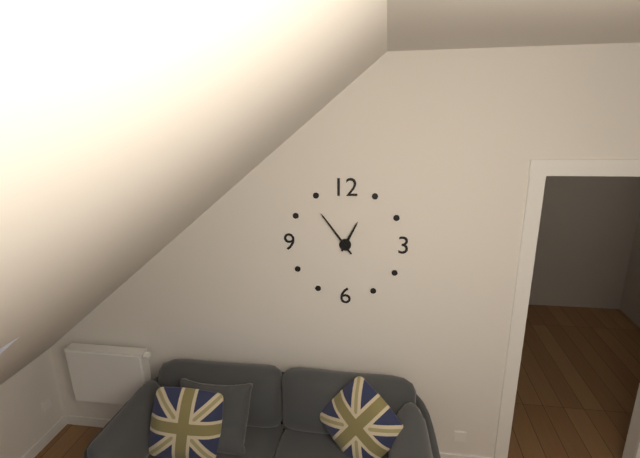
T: 12:54
